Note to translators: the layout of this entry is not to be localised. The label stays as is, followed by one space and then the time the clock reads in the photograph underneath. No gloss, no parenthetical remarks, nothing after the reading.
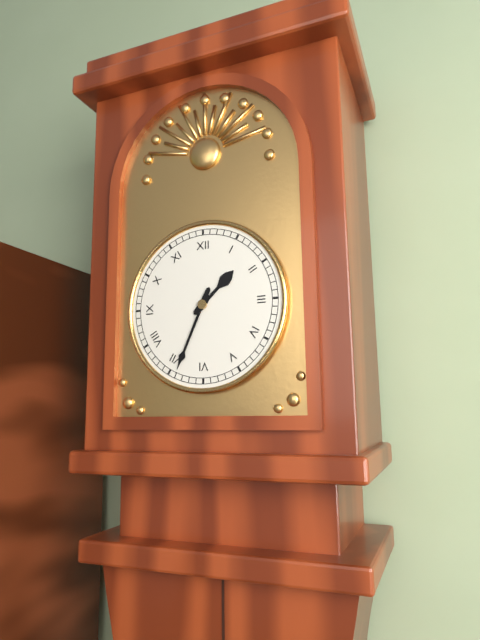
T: 1:34
